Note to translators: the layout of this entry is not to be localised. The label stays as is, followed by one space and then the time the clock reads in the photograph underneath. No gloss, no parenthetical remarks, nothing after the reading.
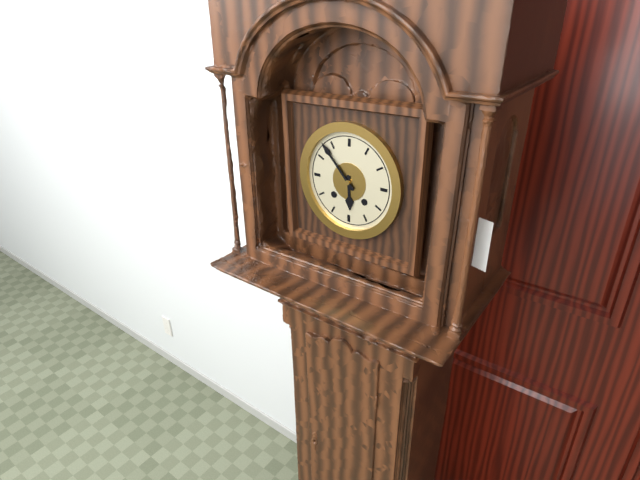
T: 5:53
